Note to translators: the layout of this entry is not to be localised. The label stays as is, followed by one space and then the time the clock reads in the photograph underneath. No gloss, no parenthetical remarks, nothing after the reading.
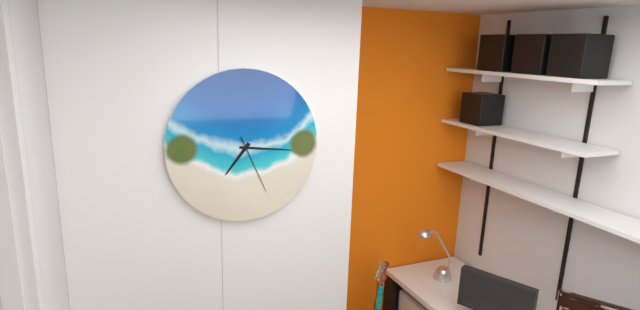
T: 7:16:26
